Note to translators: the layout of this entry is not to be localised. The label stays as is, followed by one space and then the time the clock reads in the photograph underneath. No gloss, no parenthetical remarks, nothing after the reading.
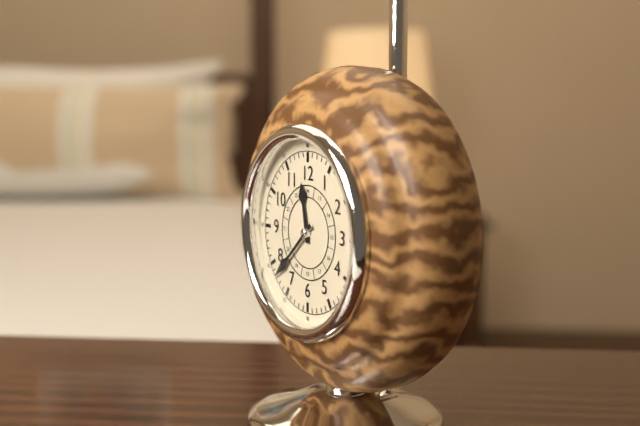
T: 11:38
